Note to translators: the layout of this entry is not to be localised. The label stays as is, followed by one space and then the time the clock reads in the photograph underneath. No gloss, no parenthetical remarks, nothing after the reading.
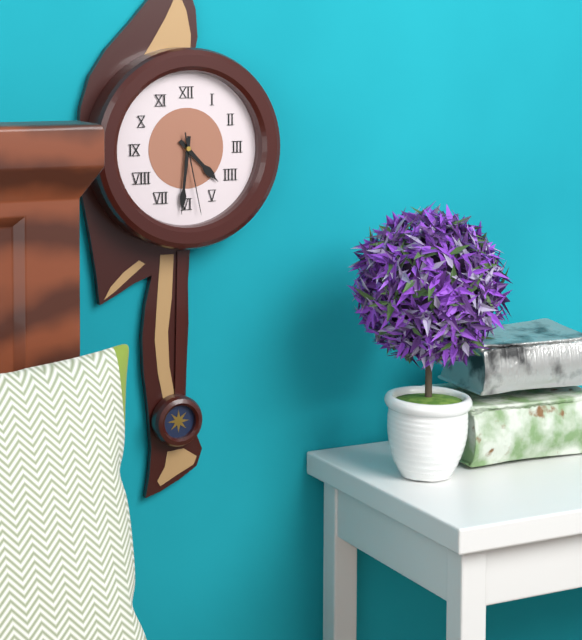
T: 4:31:28
